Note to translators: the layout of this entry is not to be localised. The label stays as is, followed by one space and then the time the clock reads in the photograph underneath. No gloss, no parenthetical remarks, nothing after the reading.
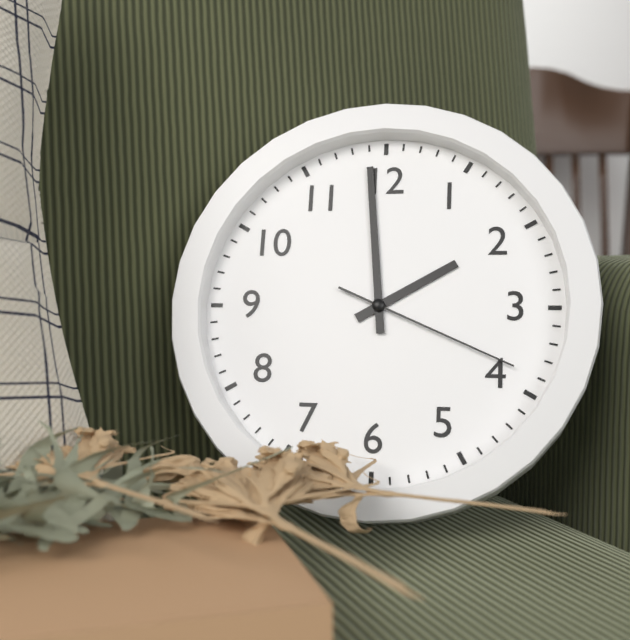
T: 1:59:19
